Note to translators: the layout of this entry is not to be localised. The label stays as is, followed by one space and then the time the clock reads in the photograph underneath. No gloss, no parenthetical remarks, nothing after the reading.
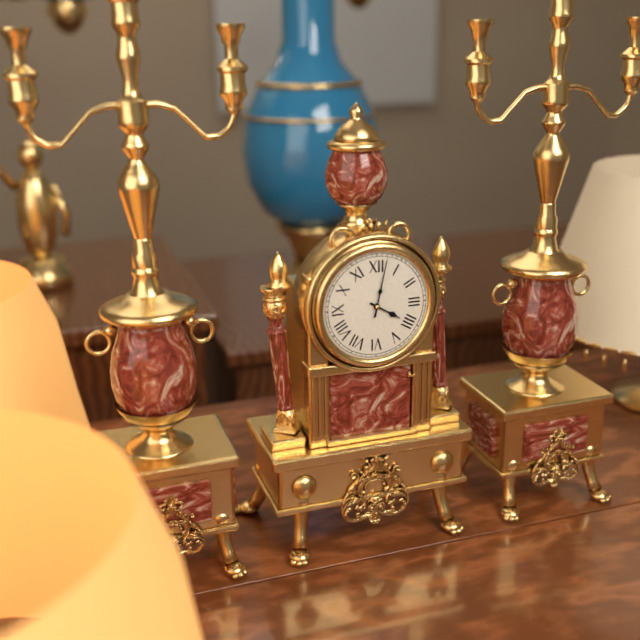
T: 4:02
